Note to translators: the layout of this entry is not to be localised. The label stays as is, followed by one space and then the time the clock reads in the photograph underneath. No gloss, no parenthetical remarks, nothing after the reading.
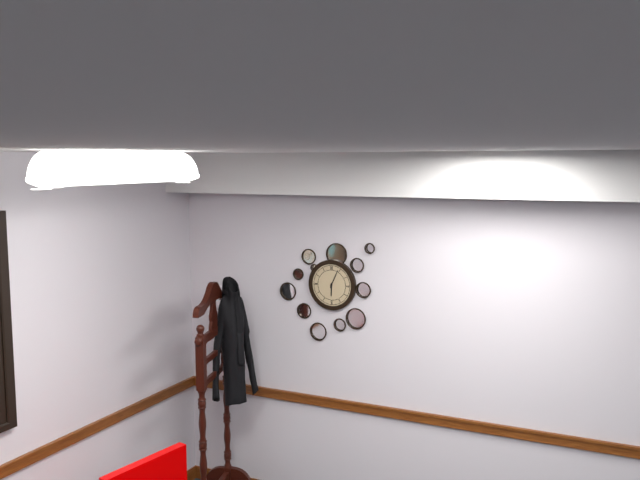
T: 6:04
